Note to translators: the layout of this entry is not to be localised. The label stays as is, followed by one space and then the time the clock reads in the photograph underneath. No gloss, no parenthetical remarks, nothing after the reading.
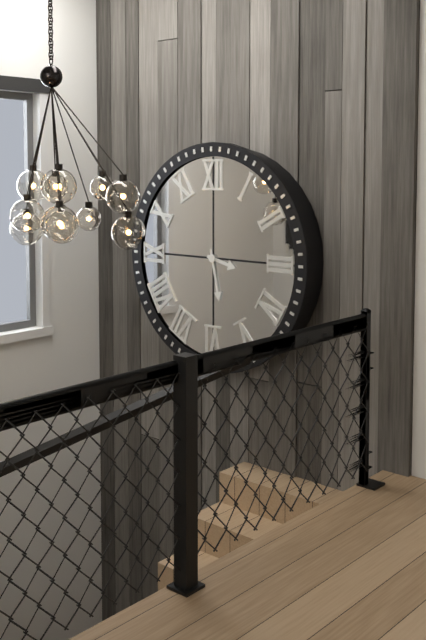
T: 3:28
